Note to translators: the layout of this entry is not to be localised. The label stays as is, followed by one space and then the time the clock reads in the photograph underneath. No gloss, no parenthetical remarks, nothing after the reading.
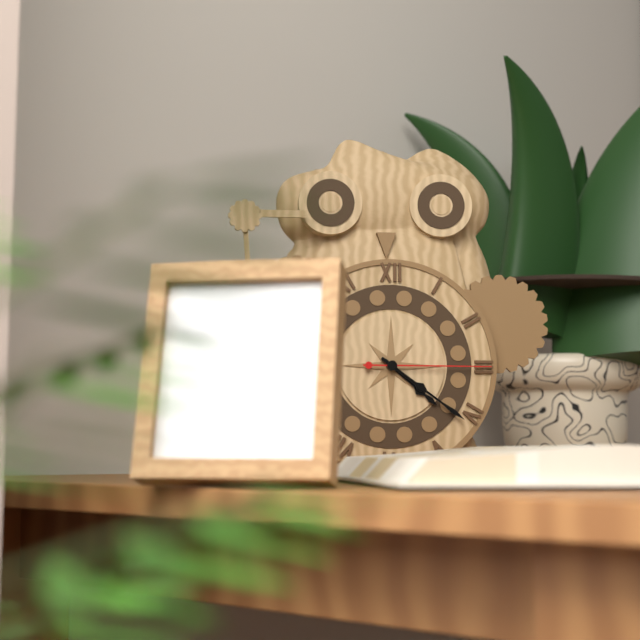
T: 4:21:15
